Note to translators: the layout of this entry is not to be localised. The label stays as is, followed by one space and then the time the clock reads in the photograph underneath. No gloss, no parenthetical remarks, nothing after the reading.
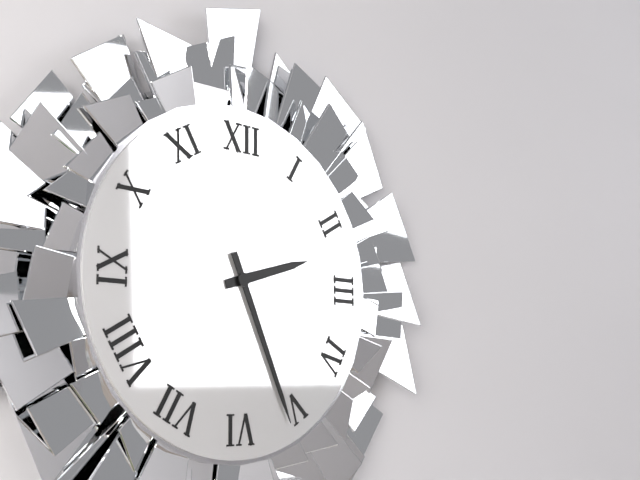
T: 2:26
